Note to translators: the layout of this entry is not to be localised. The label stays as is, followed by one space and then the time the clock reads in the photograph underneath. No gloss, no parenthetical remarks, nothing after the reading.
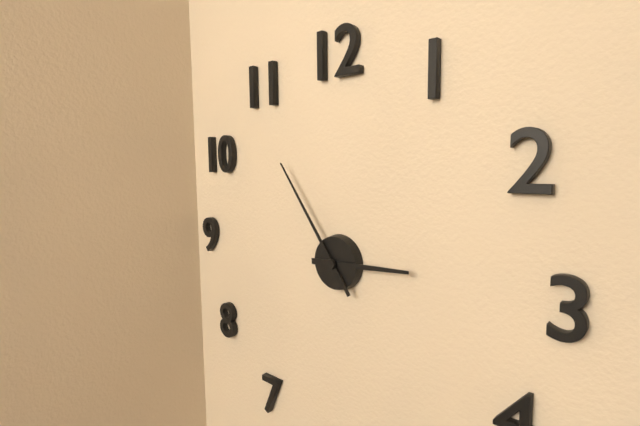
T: 2:54
